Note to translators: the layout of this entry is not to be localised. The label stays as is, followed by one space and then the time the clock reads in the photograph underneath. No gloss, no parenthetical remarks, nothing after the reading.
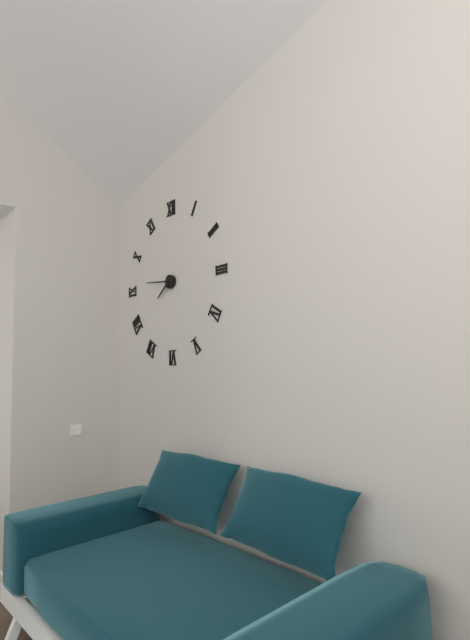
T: 7:46
